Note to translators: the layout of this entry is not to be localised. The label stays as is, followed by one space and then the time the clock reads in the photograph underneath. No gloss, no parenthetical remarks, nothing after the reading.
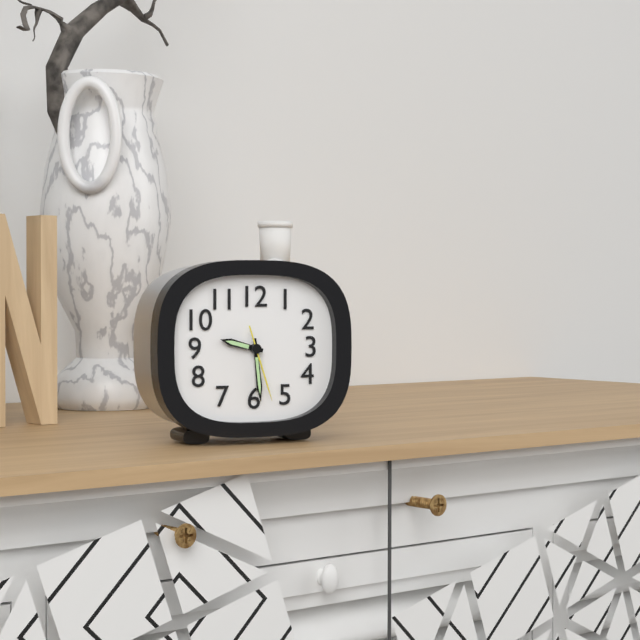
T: 9:29:27
